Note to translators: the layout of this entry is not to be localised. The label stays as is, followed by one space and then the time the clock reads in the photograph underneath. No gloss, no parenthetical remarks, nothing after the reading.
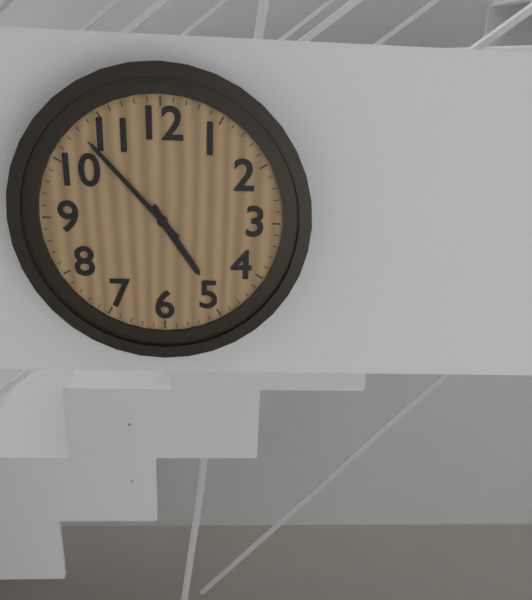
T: 4:53
